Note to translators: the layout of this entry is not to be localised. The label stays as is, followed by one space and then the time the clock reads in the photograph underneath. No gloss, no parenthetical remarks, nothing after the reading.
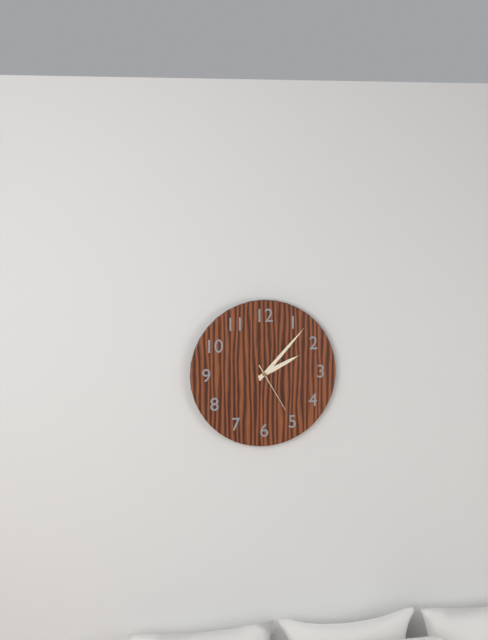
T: 2:07:25
